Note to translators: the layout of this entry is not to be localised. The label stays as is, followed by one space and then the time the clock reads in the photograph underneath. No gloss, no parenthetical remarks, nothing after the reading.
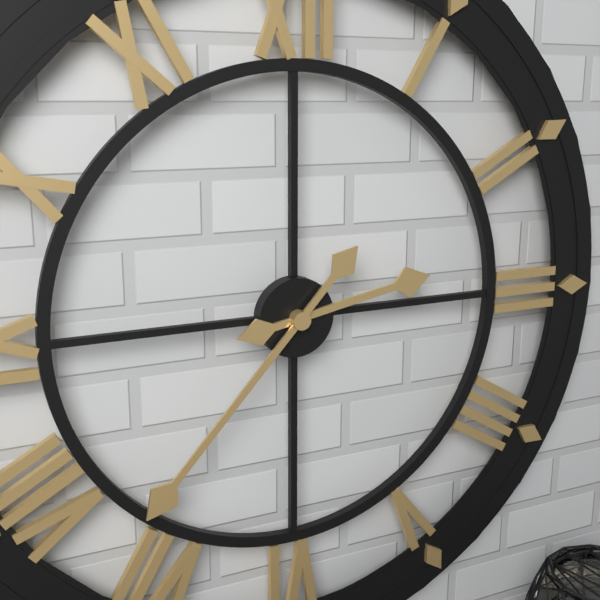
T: 2:37
